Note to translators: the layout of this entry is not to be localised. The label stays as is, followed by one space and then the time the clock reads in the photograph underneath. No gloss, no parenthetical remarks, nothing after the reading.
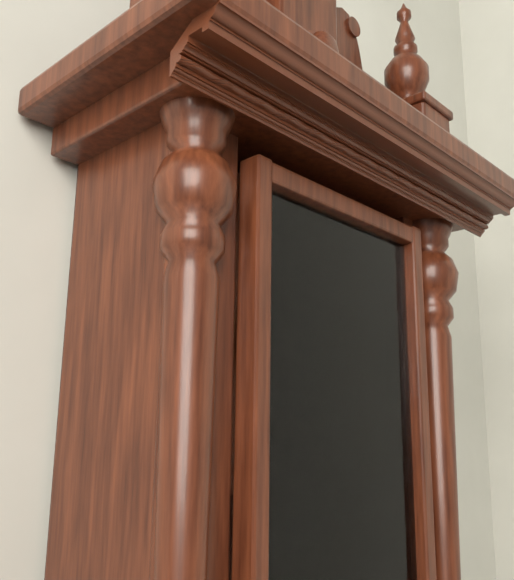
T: 11:59
